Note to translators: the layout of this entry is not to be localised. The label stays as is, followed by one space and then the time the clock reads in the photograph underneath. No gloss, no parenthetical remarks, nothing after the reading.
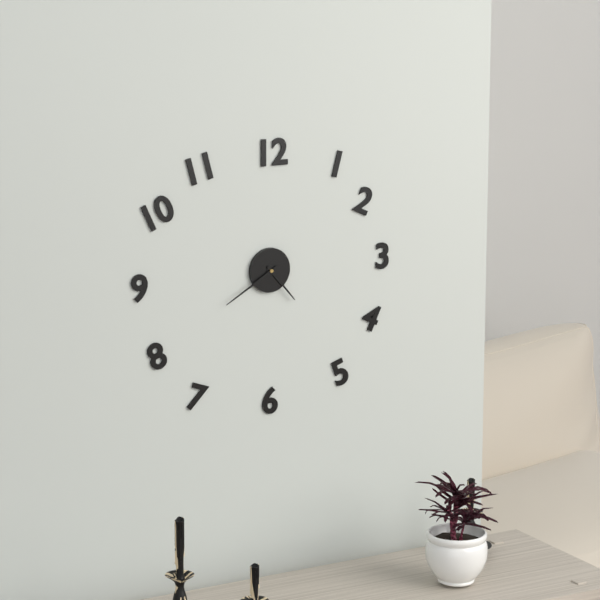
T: 4:40
